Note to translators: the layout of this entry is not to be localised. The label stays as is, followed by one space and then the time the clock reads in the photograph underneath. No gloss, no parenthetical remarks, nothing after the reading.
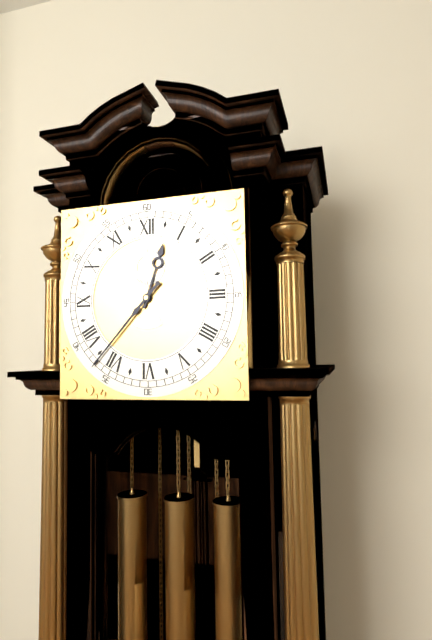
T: 12:37
